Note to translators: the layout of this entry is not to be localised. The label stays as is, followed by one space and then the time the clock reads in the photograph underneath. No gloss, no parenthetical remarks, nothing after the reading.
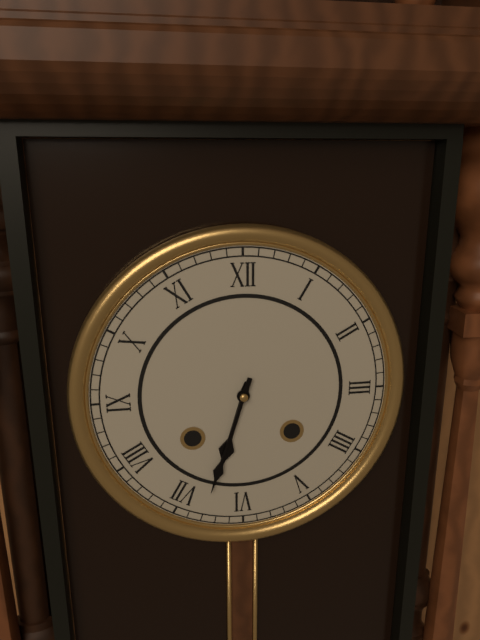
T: 6:33
